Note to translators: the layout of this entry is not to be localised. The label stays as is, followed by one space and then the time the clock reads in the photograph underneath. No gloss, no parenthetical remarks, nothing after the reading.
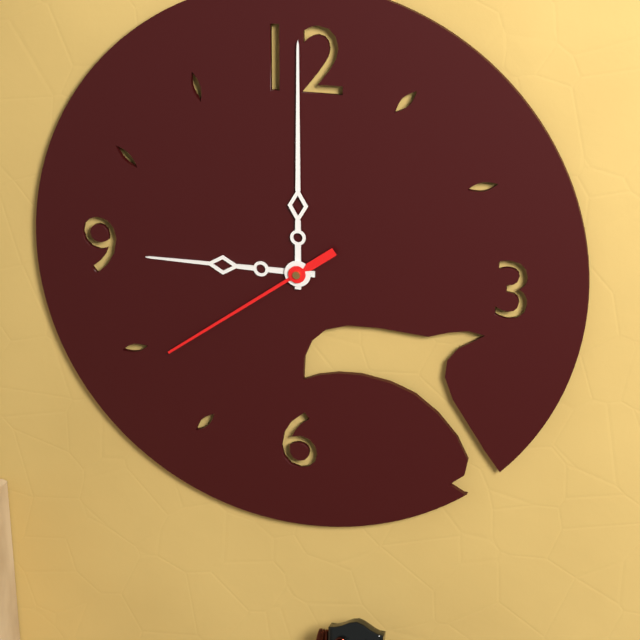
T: 9:00:39
